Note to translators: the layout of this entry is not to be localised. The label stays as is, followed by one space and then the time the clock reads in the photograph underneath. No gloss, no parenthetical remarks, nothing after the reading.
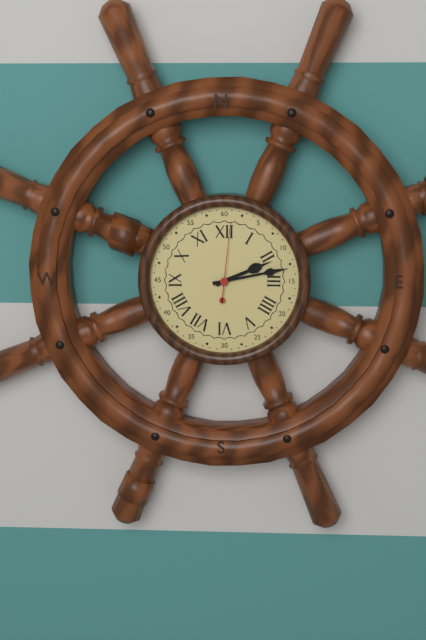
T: 2:13:01
